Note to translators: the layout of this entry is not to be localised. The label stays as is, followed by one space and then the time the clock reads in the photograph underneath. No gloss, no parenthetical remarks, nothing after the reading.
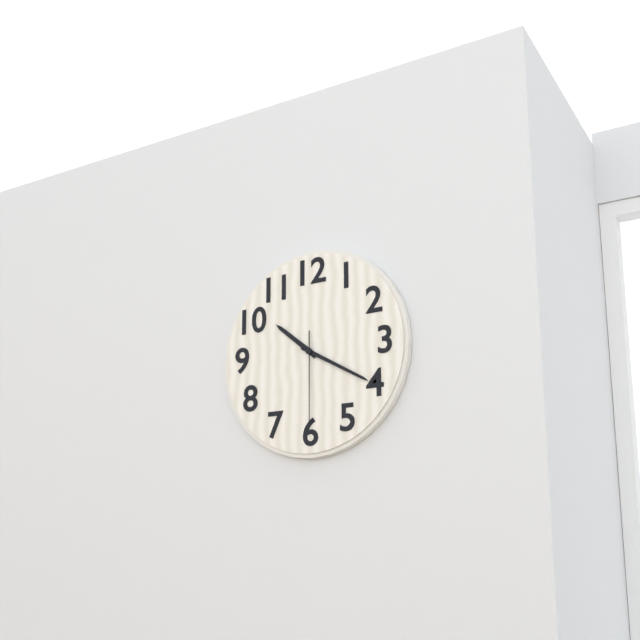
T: 10:20:30
